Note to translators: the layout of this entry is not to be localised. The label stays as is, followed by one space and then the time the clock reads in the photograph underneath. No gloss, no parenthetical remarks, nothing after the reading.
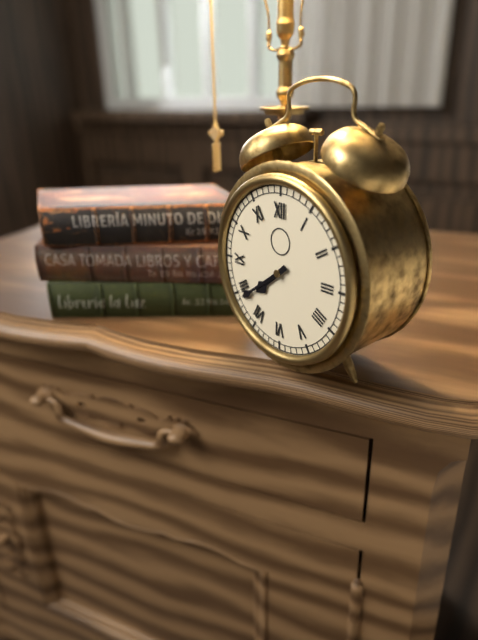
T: 7:39
